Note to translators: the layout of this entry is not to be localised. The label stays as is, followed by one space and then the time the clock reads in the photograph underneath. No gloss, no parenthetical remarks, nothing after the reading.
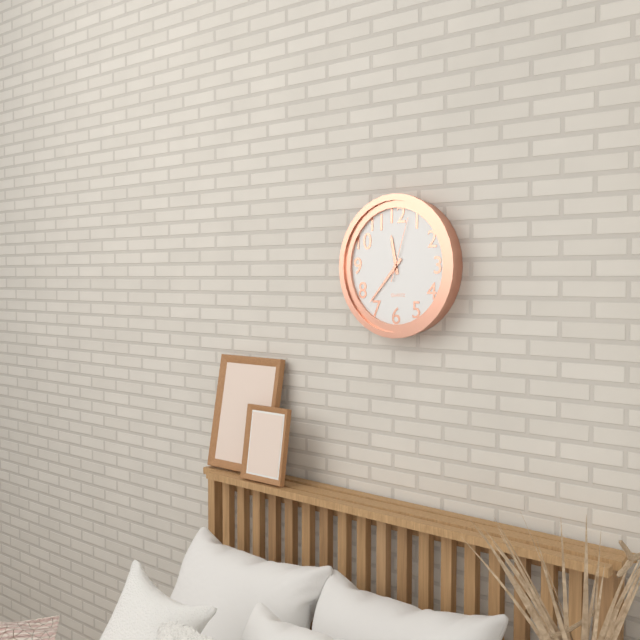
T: 11:37:03
